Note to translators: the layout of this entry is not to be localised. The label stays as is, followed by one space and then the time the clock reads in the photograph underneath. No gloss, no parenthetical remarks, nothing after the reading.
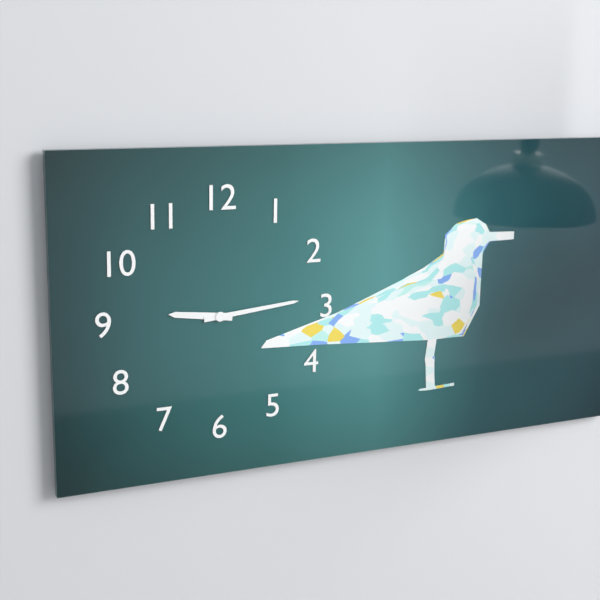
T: 9:14
